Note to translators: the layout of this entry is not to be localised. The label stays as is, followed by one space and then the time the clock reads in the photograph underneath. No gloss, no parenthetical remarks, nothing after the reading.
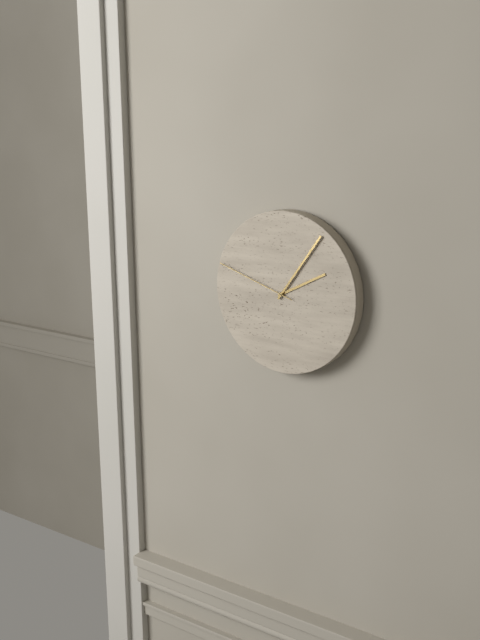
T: 2:06:48
